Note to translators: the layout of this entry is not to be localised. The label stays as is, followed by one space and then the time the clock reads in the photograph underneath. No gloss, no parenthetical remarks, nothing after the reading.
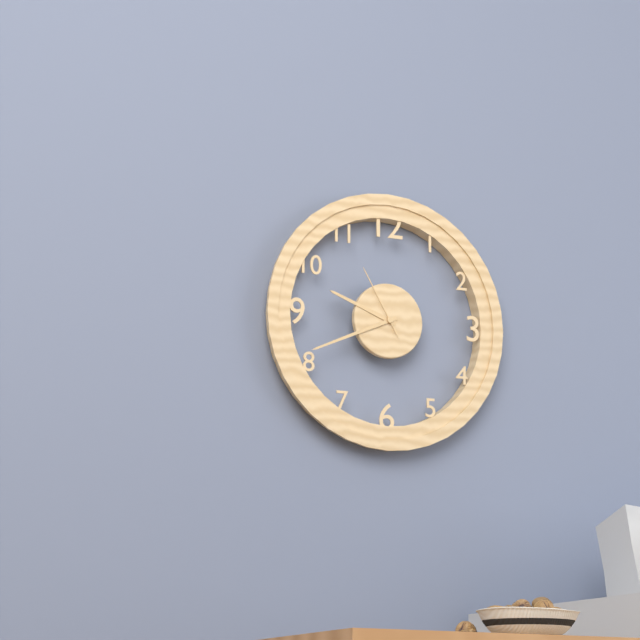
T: 9:41:55
